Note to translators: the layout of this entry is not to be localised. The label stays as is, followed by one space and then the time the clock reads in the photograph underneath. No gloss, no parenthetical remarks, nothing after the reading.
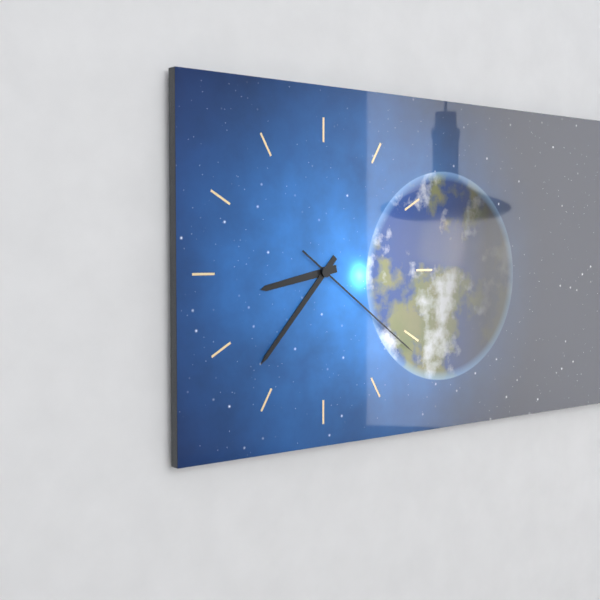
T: 8:37:21
